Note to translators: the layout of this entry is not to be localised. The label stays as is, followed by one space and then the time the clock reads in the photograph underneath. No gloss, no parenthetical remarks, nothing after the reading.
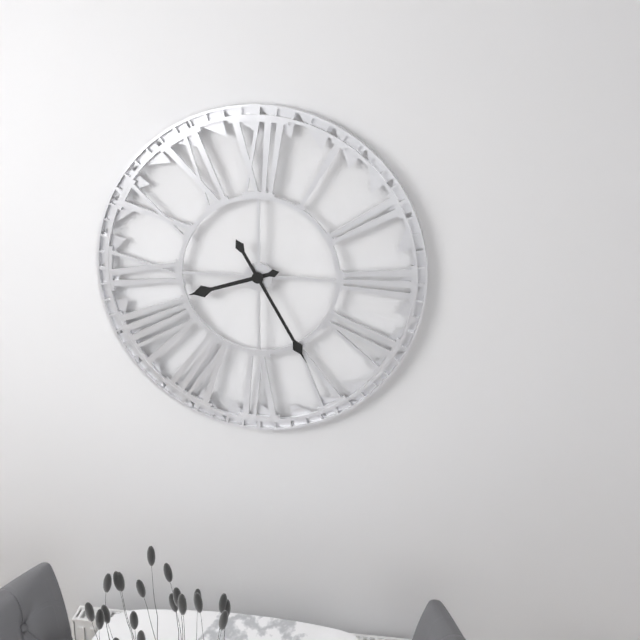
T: 8:25
